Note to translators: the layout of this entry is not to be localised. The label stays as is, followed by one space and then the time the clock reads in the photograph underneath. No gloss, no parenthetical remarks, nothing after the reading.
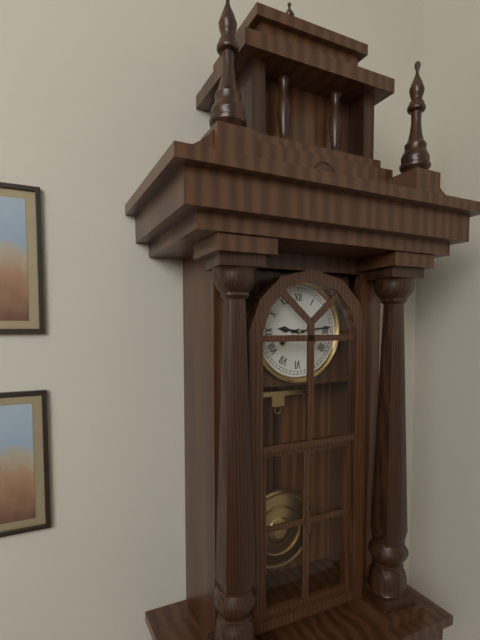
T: 9:14
